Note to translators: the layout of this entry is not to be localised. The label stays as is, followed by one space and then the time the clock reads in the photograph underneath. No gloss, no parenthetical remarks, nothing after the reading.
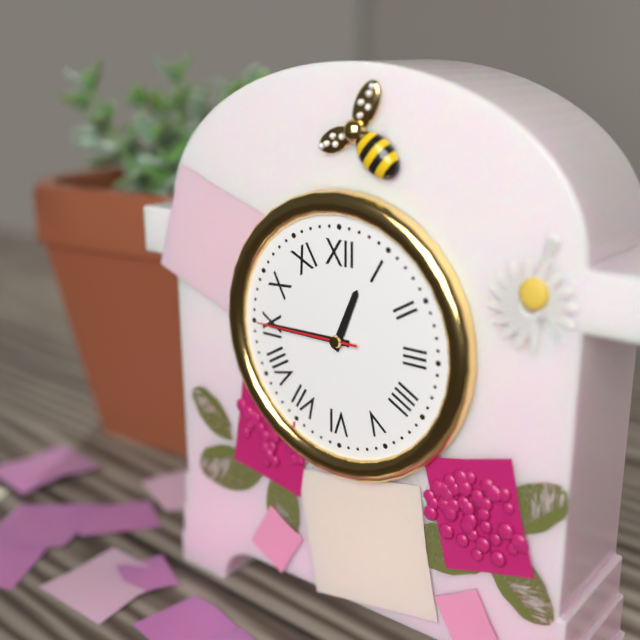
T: 12:45:45
